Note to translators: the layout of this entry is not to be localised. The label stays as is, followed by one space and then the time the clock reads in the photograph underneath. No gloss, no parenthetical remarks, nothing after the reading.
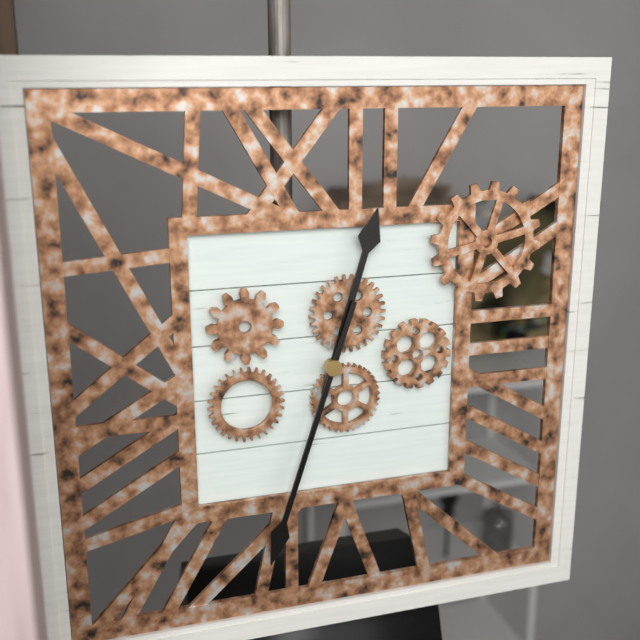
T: 12:33
